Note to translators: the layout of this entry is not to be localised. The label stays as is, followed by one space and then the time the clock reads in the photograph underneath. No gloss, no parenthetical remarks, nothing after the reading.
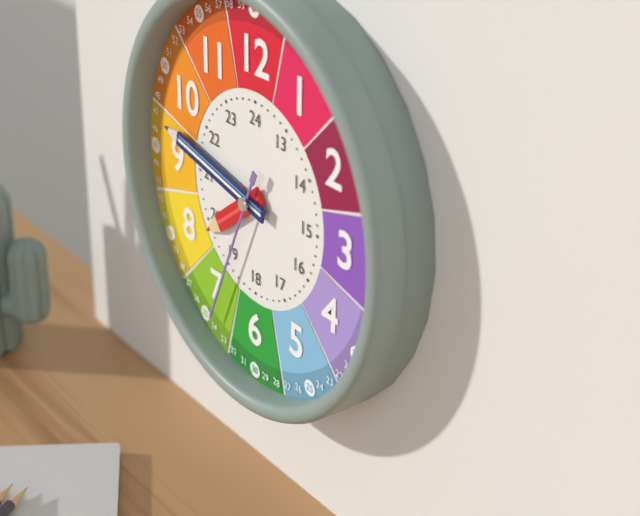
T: 7:47:34
